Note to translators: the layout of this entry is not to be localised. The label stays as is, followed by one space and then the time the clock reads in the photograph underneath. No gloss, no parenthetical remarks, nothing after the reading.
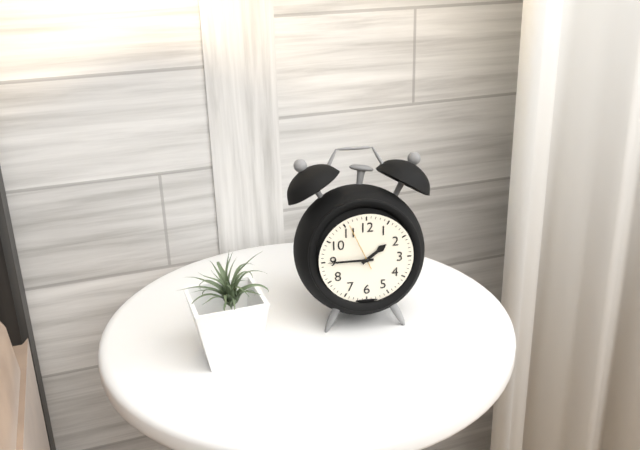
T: 1:45
